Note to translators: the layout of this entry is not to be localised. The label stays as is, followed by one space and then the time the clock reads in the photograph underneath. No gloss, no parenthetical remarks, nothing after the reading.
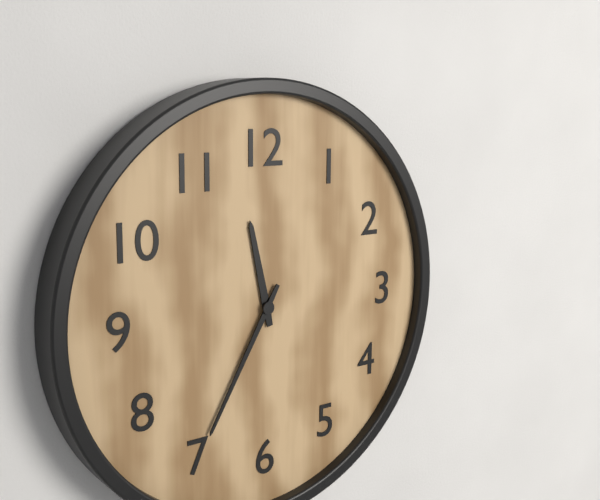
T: 11:35
